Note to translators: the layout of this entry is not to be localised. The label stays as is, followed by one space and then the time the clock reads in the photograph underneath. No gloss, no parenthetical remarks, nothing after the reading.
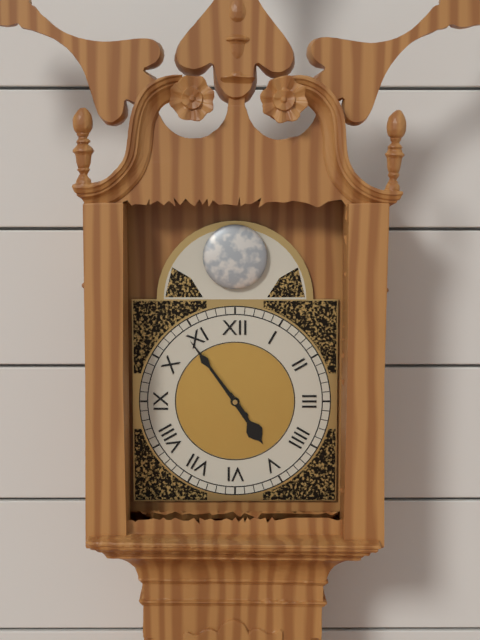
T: 4:54
